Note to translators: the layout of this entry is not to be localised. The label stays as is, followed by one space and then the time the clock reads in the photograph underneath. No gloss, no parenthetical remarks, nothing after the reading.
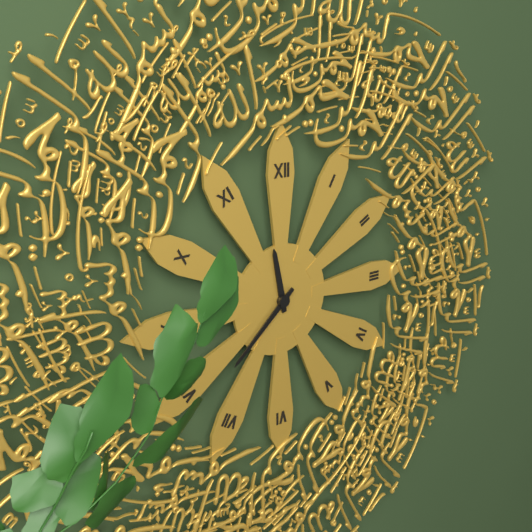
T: 11:38
